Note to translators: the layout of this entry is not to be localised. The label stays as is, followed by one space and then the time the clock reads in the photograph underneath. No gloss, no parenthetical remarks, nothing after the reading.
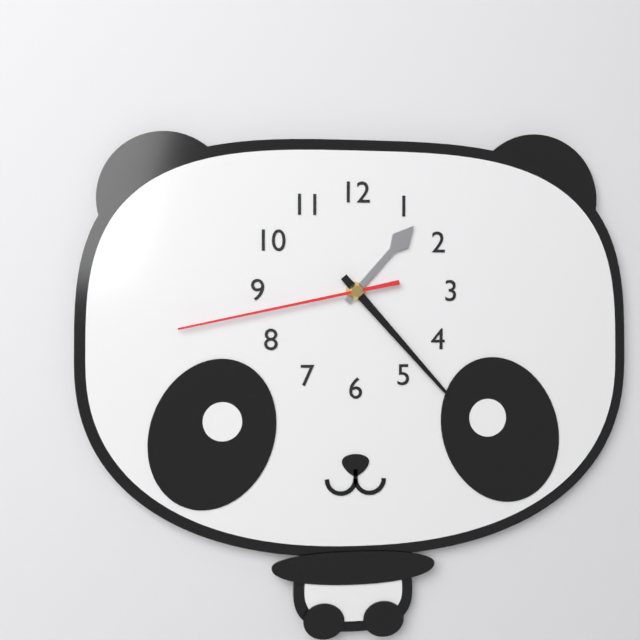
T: 1:23:43
